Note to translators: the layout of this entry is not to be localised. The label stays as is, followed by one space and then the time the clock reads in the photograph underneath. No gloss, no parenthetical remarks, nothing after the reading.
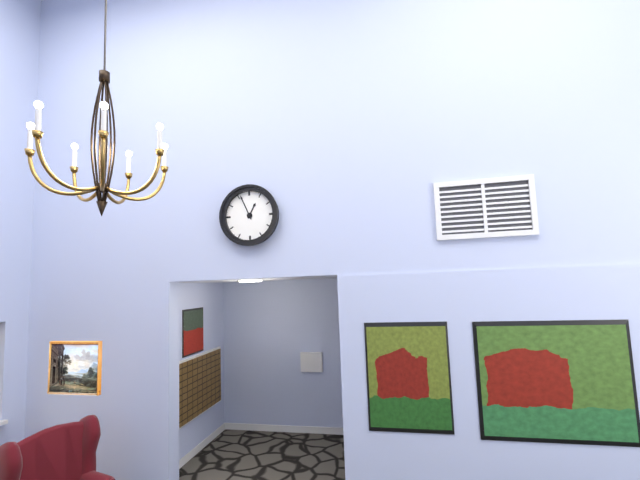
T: 12:56
